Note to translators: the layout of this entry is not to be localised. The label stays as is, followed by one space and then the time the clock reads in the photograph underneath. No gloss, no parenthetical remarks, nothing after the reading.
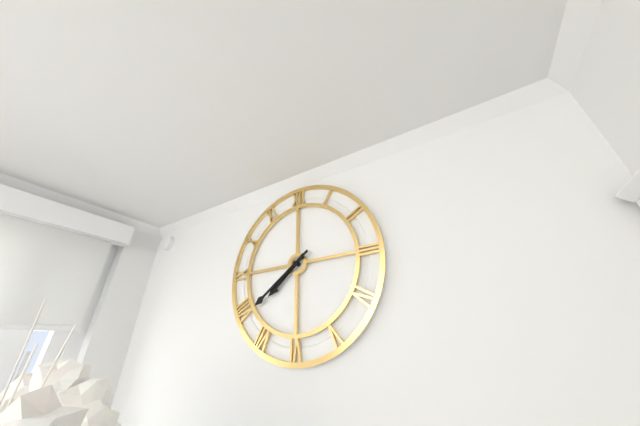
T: 7:39
